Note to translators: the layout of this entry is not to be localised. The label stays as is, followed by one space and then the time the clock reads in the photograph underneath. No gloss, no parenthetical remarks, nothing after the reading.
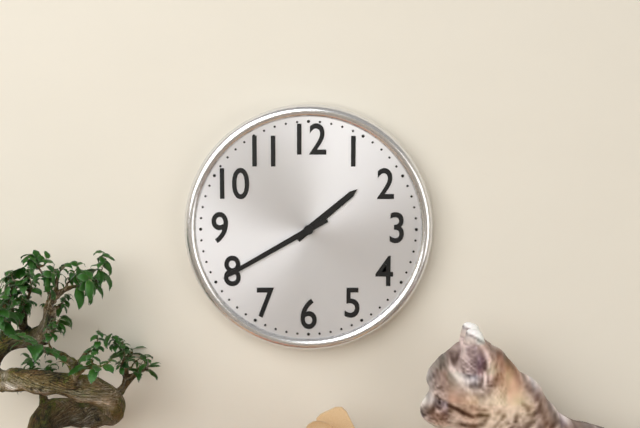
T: 1:40
